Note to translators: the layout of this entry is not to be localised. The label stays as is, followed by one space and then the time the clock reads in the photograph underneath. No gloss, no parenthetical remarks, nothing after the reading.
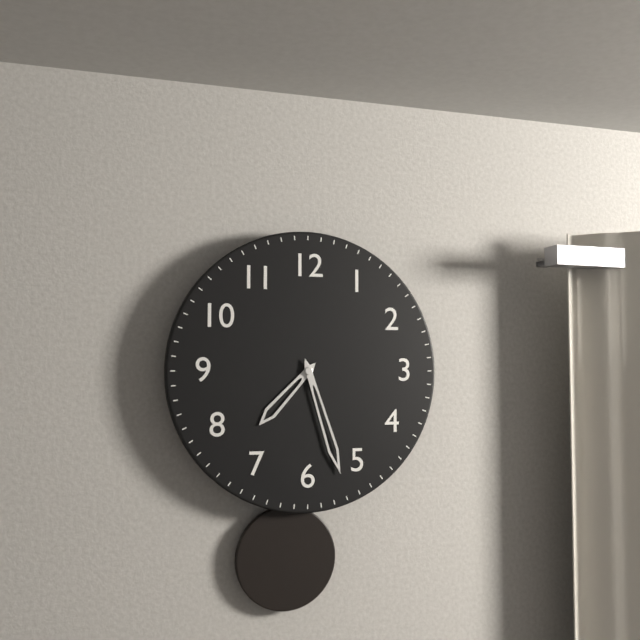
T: 7:27
